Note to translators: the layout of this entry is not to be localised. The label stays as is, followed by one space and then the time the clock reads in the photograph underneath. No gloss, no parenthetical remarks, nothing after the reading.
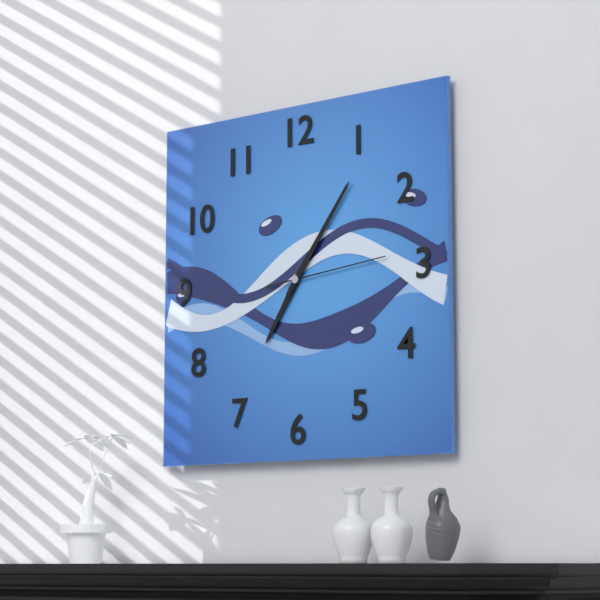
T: 7:06:14
